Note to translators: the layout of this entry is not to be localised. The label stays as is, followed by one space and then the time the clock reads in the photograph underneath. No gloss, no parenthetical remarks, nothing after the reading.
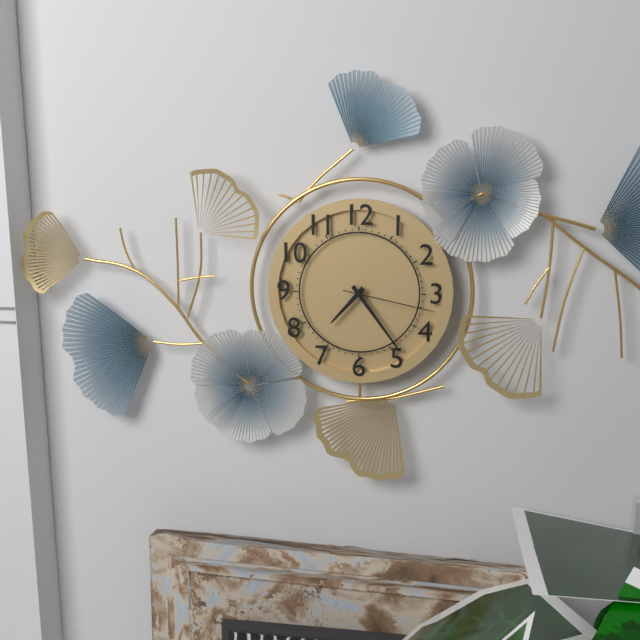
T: 7:24:17
